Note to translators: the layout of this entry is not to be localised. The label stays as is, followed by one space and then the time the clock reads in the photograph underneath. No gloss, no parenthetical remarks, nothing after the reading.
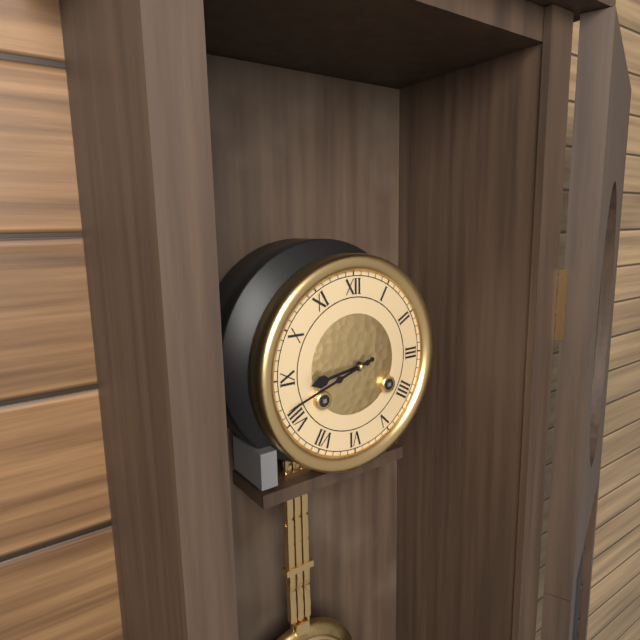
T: 8:42
